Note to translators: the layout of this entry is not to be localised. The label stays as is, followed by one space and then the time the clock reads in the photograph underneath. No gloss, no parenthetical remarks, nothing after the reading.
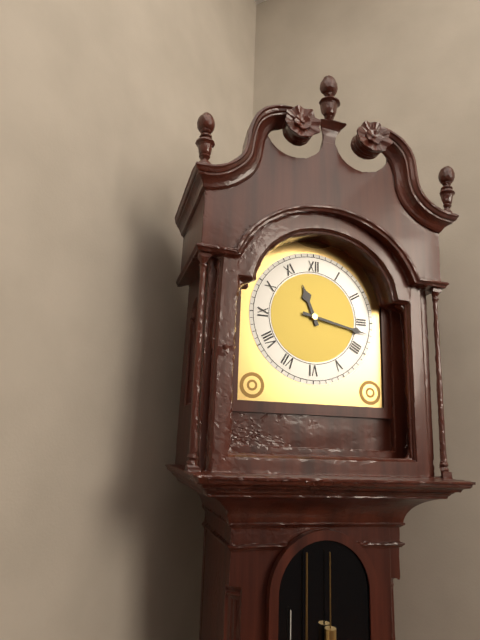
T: 11:17
